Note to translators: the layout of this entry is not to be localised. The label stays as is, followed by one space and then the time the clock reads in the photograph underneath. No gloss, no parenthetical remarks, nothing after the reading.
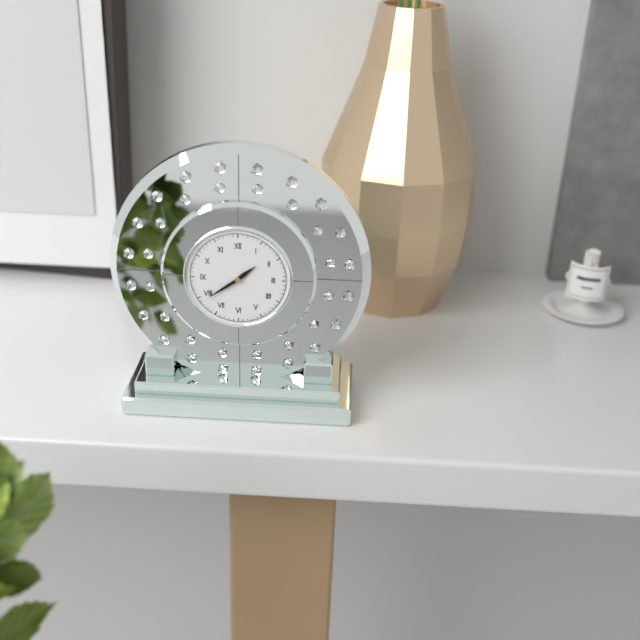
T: 1:39
